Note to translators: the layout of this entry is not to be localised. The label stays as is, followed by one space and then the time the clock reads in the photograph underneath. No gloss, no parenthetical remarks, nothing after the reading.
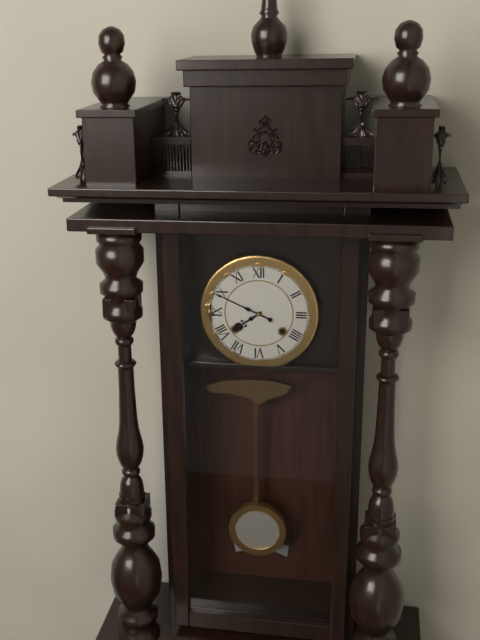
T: 7:49
